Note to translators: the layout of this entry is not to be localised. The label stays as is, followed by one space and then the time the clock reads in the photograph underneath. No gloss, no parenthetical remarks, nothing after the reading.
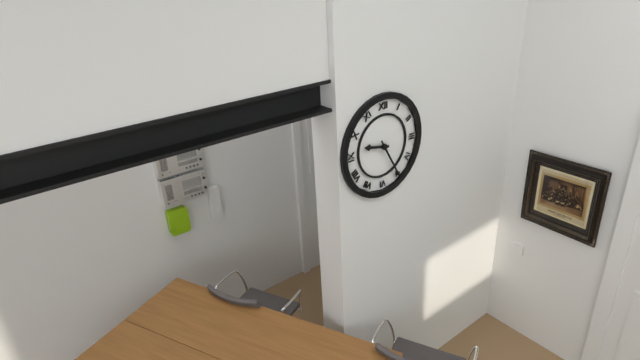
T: 9:25
